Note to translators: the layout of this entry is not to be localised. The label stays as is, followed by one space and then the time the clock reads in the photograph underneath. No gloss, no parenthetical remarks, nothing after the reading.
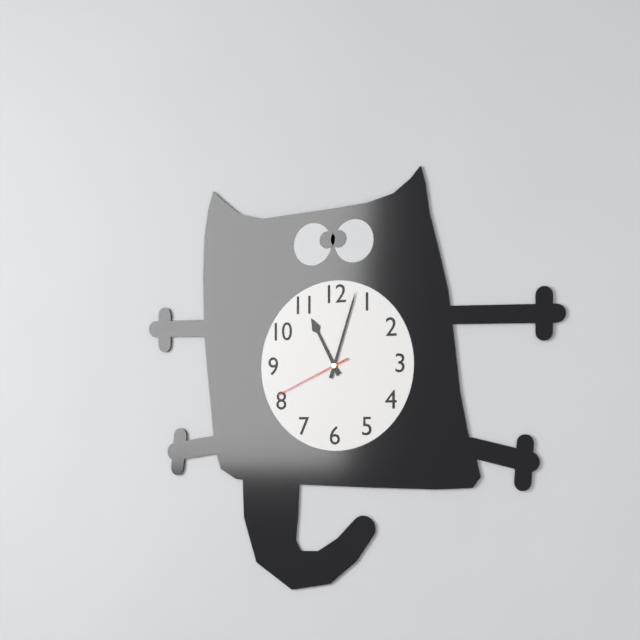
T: 11:03:41
